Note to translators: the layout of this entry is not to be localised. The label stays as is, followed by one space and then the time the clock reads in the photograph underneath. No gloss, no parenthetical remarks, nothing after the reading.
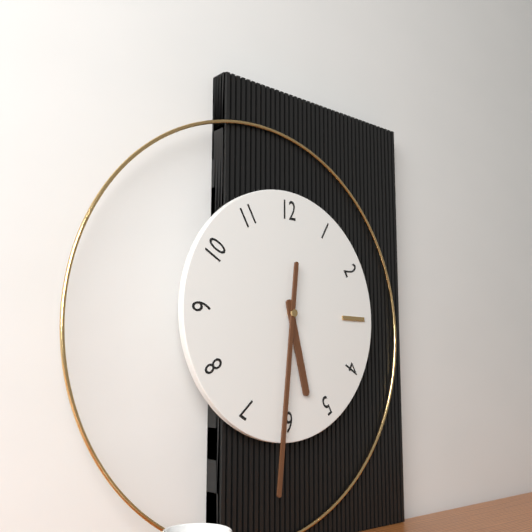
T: 5:31
